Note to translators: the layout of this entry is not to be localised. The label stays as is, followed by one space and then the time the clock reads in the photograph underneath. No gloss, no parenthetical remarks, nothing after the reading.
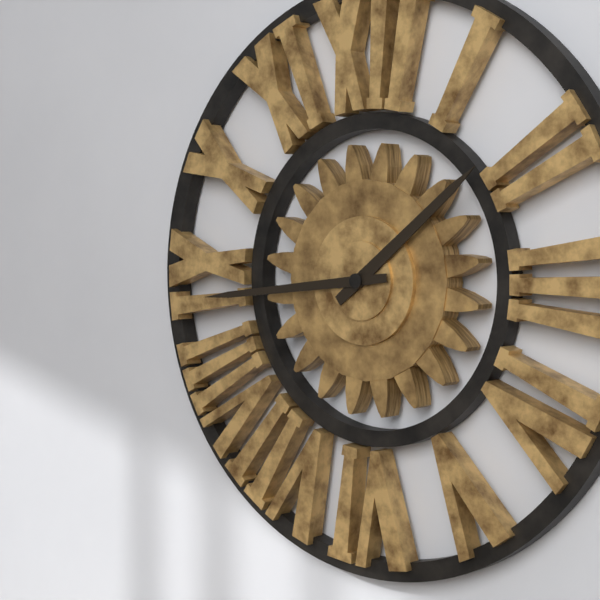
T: 1:44
